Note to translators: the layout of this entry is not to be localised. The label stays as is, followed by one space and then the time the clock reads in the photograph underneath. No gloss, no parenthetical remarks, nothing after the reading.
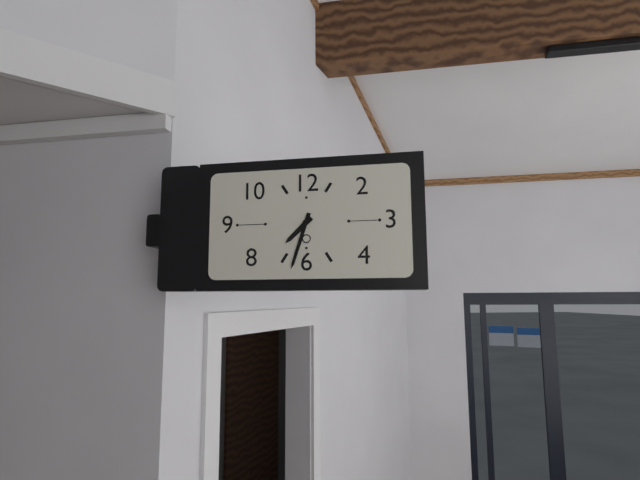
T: 7:33
